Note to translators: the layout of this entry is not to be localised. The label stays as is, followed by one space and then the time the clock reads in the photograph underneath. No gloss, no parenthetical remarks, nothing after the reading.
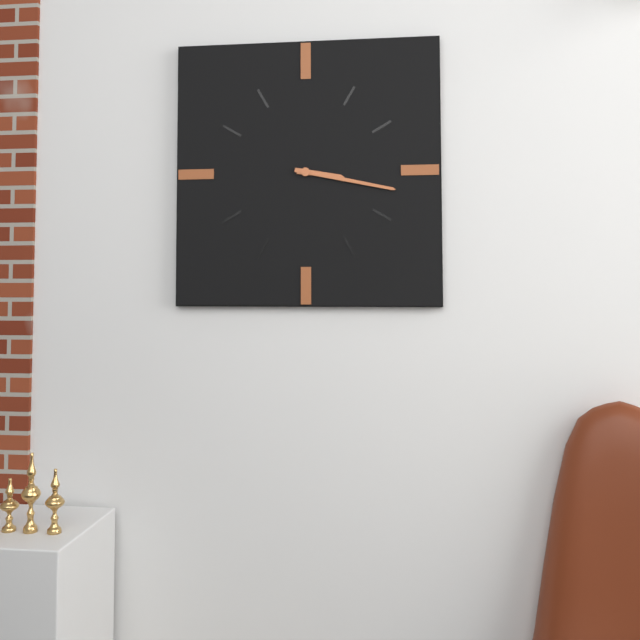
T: 3:17
